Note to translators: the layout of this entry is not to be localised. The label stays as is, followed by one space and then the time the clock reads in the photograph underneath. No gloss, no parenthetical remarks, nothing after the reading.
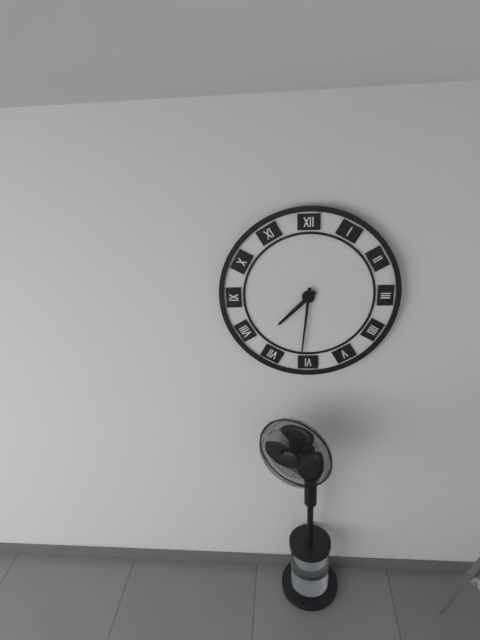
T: 7:31
